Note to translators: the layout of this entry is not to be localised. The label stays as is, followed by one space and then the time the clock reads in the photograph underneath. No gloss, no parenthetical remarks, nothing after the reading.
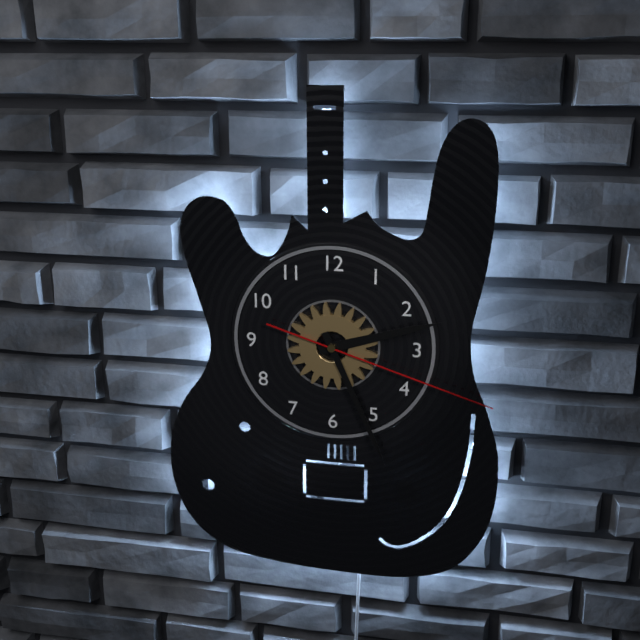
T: 2:26:18
